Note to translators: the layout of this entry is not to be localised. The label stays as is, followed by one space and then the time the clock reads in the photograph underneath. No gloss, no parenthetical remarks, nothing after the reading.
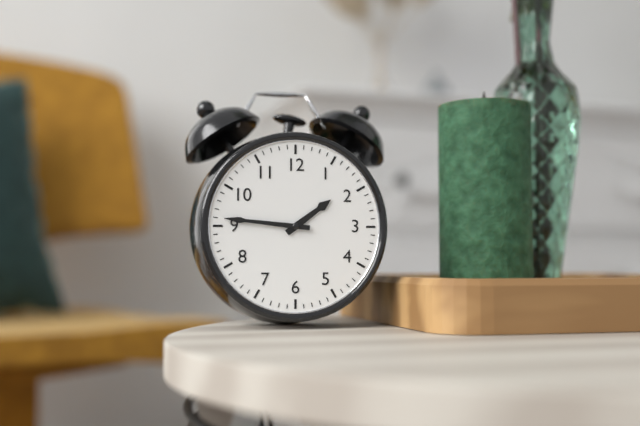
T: 1:46
